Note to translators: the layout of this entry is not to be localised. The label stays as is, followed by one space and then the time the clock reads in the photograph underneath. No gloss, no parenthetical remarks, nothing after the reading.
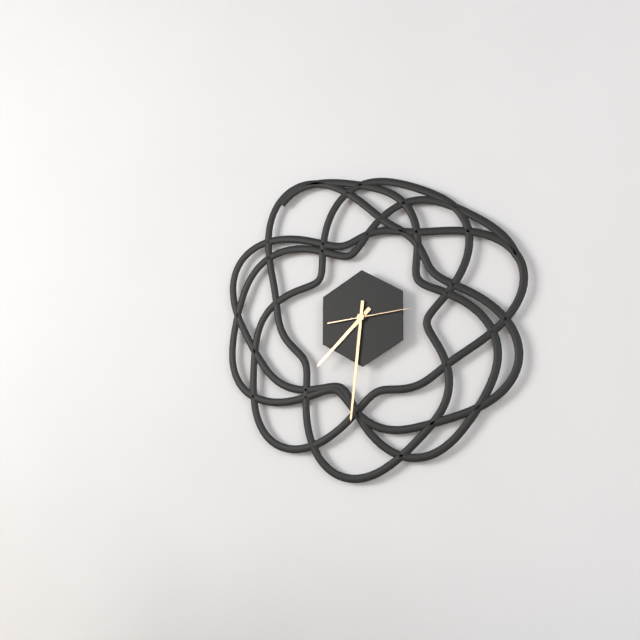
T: 7:31:14
